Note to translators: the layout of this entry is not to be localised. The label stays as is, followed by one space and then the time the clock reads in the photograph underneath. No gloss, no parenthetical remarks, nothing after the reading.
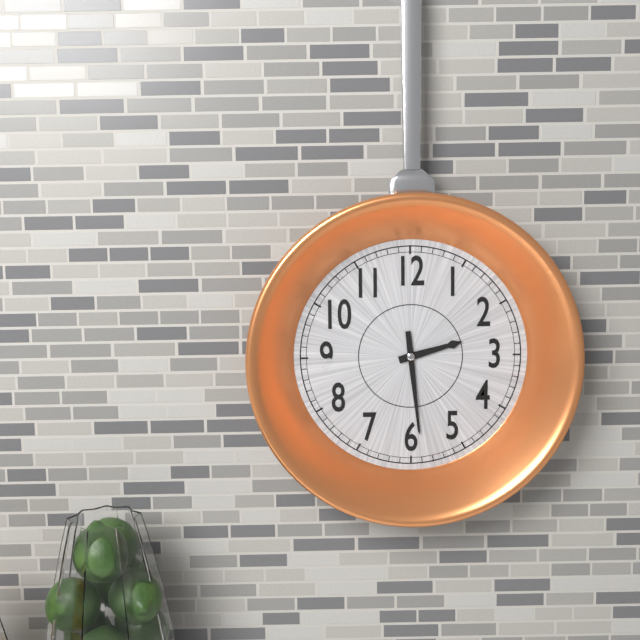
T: 2:29
